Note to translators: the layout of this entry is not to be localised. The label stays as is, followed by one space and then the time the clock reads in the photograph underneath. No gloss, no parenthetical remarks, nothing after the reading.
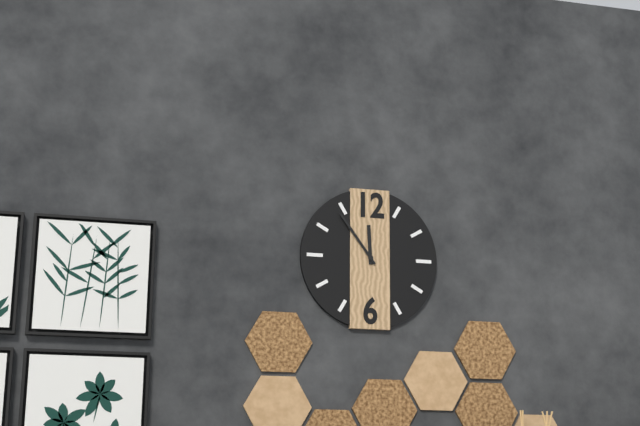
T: 11:54
